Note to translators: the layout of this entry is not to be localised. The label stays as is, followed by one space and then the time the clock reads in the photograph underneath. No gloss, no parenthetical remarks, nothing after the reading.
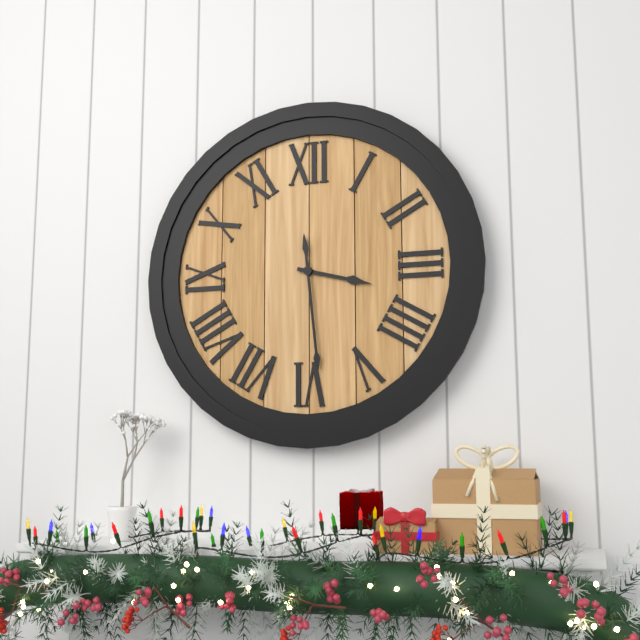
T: 3:29
